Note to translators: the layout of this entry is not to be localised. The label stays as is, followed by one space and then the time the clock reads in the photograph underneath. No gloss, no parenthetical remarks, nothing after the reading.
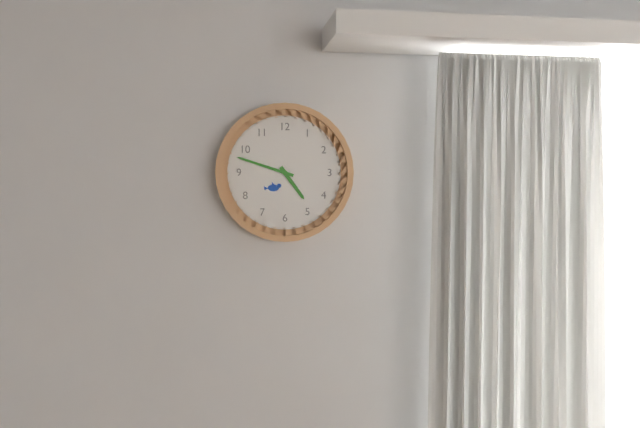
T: 4:48
